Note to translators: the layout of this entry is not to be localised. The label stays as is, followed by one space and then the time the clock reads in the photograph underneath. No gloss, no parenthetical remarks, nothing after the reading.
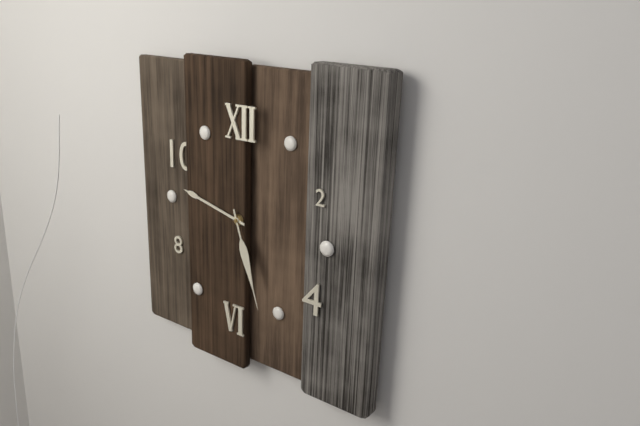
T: 9:27
